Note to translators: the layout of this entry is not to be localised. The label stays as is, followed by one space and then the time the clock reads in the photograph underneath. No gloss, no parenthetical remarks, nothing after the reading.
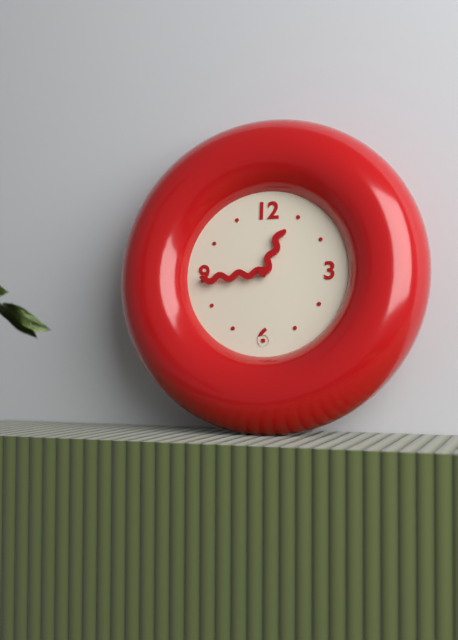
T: 12:44
